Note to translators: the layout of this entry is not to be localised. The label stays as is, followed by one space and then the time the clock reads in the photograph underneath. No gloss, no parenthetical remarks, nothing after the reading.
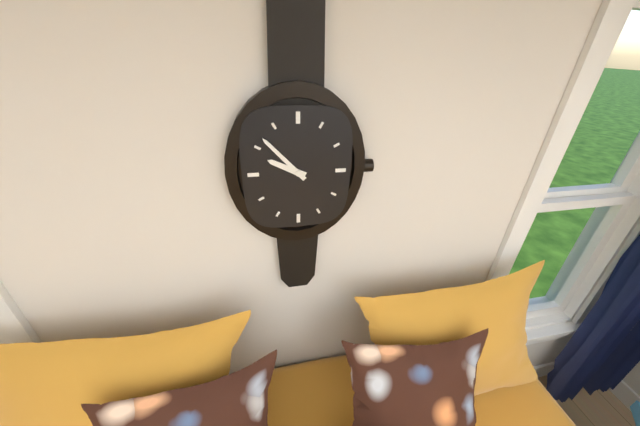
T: 9:53
